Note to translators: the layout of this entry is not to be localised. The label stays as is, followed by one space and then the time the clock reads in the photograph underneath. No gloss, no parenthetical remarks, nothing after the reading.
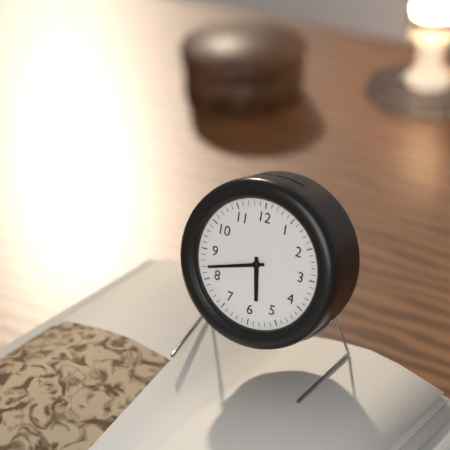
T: 5:42
